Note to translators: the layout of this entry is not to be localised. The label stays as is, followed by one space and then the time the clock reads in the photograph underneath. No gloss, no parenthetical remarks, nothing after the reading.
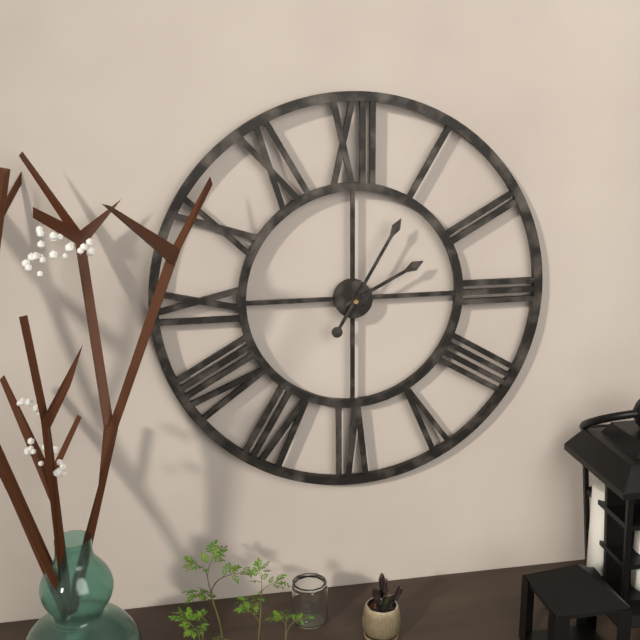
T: 2:05
